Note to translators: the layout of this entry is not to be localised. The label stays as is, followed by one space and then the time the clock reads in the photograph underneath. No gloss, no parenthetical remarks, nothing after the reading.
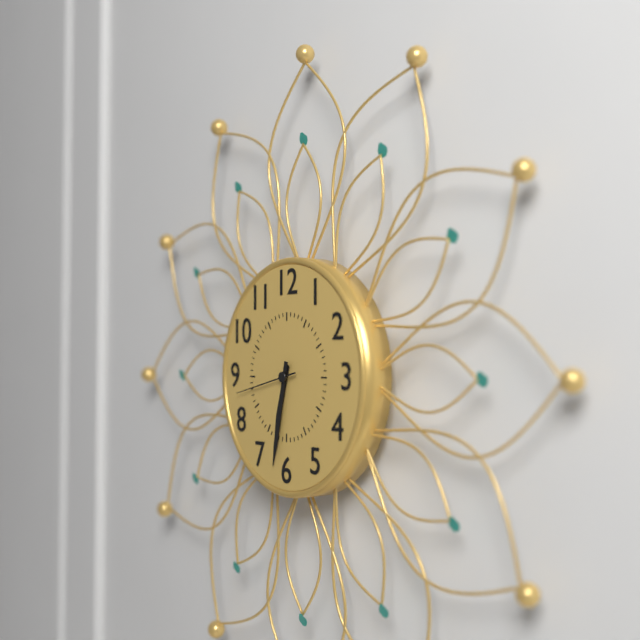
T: 6:32:43
